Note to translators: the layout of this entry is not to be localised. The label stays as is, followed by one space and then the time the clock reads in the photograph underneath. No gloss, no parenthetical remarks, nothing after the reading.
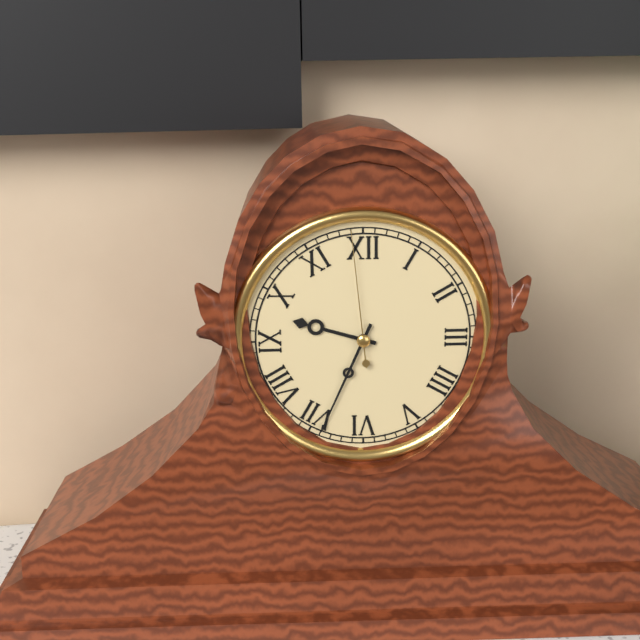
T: 9:34:59
